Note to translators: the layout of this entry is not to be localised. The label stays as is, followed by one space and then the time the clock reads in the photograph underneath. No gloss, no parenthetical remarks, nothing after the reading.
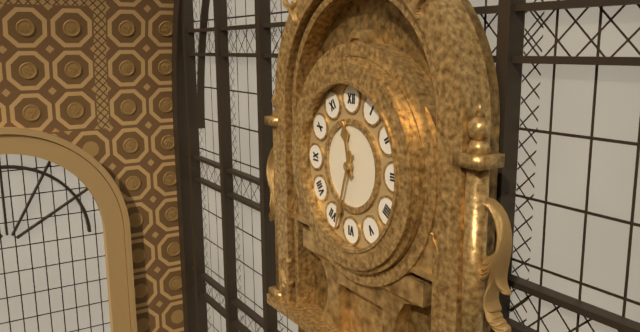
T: 11:33
